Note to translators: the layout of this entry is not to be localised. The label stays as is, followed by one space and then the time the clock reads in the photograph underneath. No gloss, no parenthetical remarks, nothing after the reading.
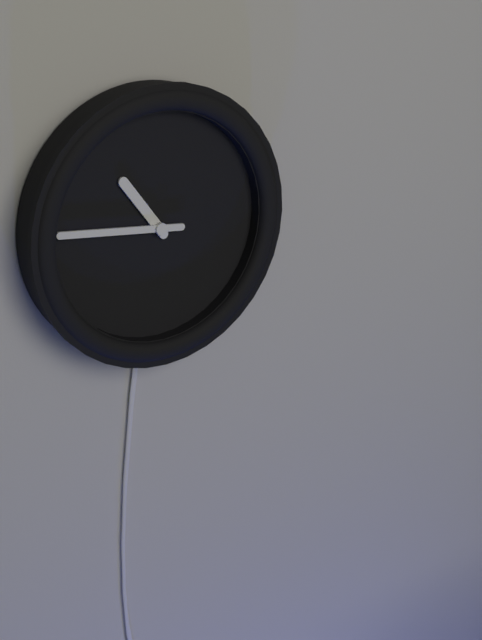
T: 10:46
